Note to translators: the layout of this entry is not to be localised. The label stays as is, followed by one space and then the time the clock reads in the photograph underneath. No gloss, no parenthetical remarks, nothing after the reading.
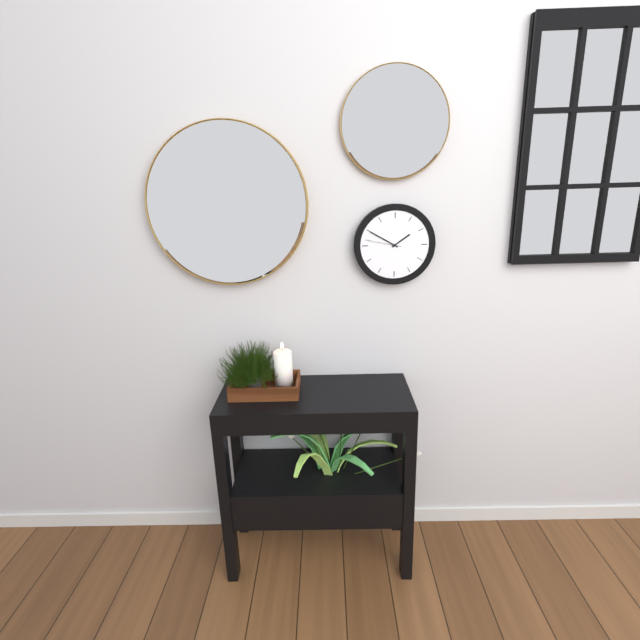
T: 1:50
